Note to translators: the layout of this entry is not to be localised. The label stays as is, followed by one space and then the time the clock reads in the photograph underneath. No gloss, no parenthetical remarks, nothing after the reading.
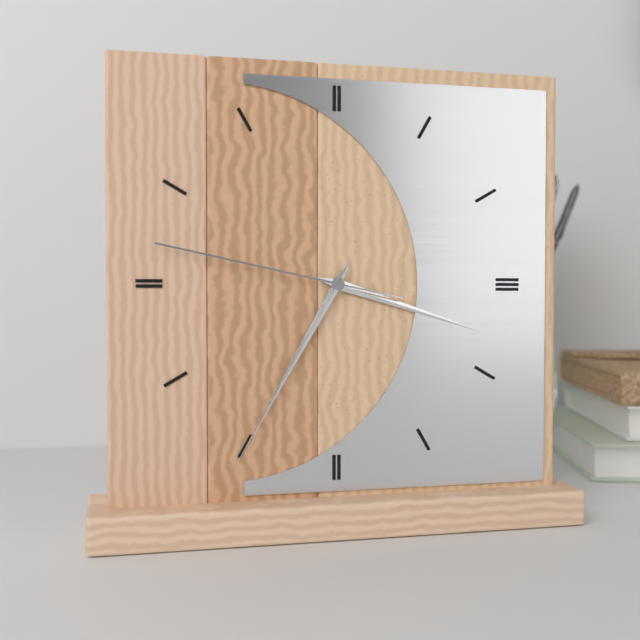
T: 3:35:47
